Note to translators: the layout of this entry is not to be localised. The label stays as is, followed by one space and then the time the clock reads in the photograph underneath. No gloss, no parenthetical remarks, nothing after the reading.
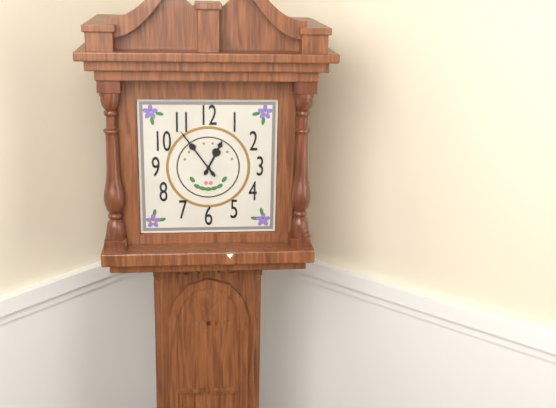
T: 12:54
